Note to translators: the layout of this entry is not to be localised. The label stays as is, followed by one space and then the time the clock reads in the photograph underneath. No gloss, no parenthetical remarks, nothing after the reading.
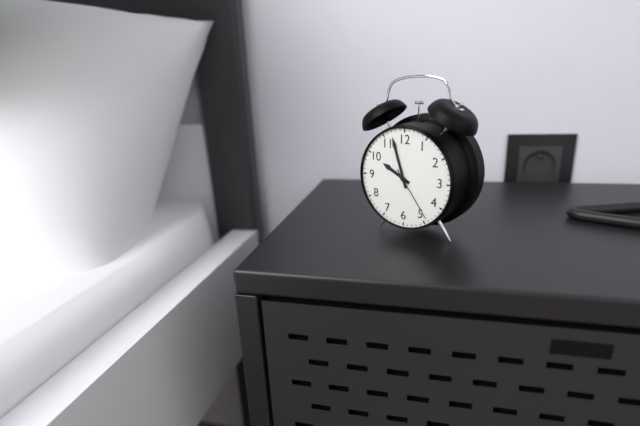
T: 9:57:24
